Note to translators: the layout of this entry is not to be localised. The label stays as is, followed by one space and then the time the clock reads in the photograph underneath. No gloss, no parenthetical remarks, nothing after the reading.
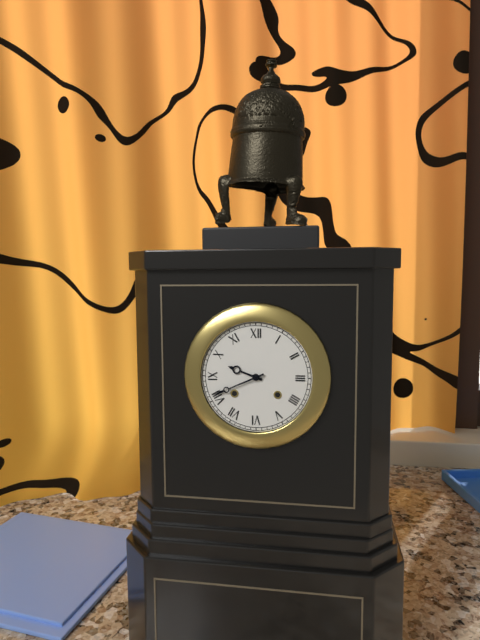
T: 9:41
